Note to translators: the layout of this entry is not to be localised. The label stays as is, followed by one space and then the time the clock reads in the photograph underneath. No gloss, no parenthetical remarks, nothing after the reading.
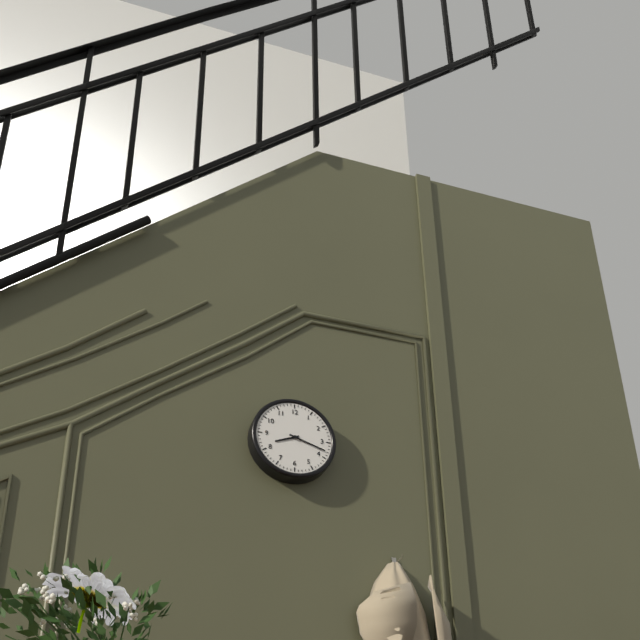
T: 8:18
